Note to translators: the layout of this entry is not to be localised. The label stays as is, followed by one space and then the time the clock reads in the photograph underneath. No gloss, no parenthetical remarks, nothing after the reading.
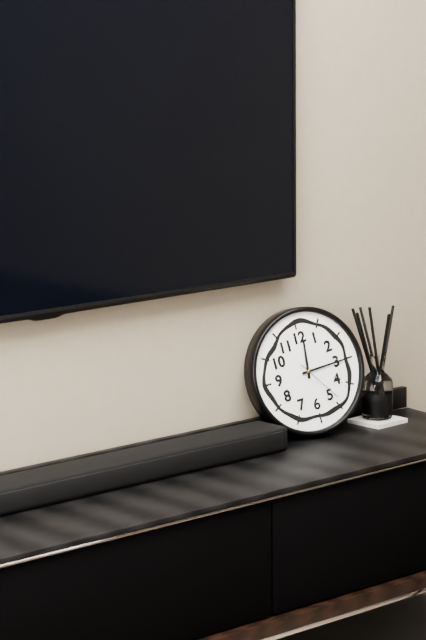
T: 12:15
